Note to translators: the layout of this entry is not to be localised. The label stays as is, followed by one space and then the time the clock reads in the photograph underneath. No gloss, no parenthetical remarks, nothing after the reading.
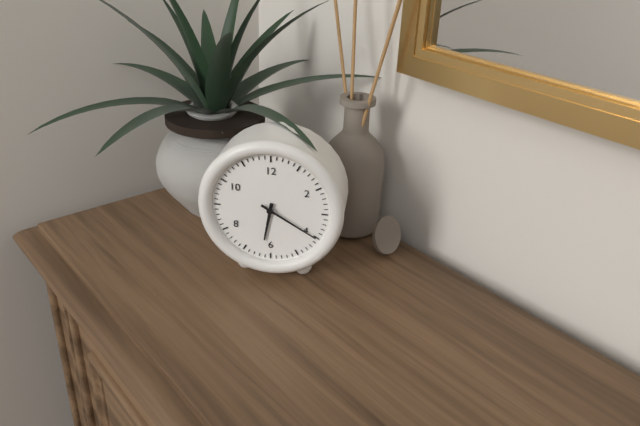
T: 6:20
